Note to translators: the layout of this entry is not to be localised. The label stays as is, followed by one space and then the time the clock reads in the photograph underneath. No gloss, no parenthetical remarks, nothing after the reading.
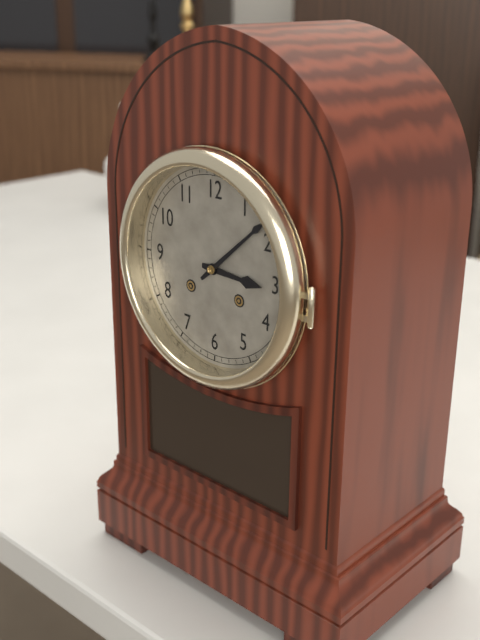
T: 3:08
